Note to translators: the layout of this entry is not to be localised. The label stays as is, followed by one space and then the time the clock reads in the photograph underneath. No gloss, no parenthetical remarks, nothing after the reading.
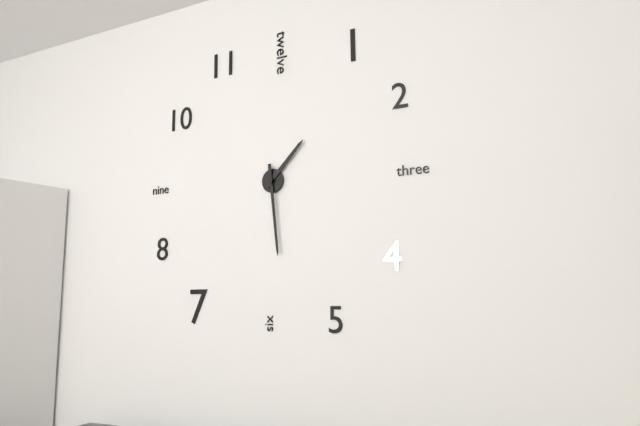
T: 1:29
